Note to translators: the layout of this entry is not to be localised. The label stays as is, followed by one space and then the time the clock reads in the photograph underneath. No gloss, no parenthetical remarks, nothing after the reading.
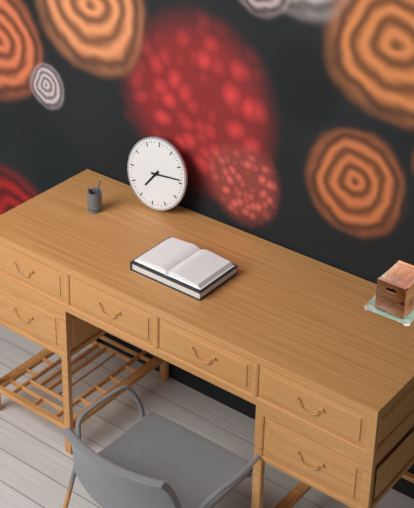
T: 7:14
